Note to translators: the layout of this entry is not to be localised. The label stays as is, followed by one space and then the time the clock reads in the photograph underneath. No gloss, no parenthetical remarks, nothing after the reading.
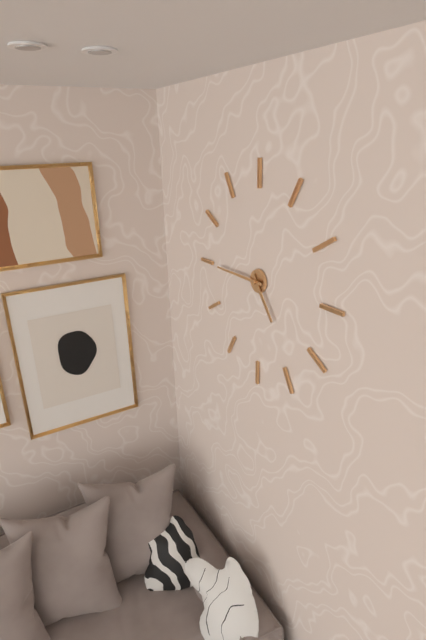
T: 4:45
